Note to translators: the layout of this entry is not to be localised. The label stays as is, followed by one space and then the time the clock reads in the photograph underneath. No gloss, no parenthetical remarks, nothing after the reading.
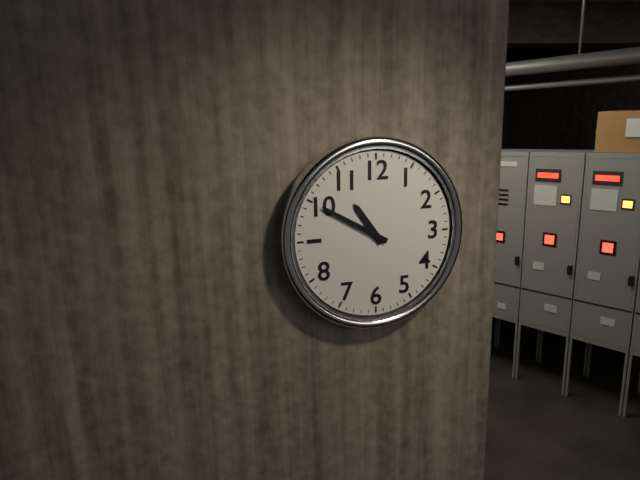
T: 10:50
